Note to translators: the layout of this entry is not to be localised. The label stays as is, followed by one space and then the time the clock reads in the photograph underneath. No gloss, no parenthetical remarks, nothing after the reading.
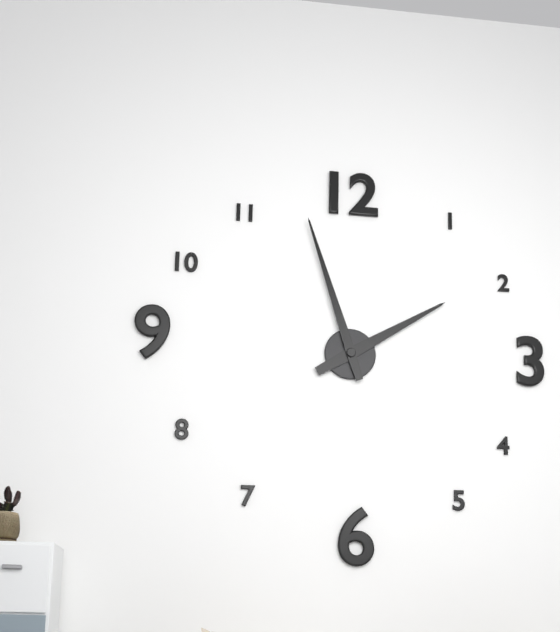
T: 1:57
